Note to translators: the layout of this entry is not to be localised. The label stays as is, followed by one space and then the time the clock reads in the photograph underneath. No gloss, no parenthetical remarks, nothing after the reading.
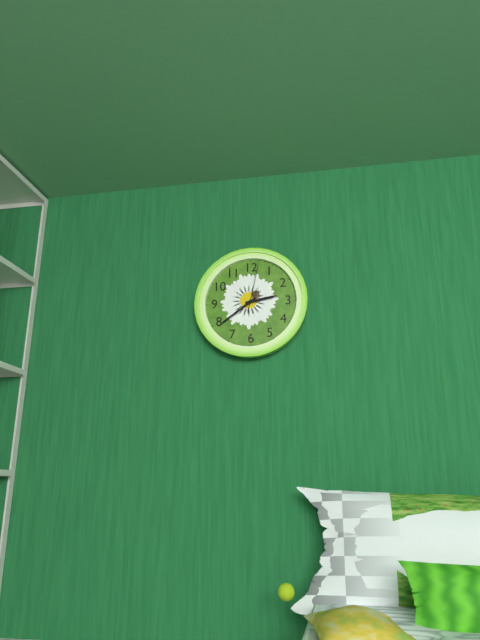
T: 2:39
